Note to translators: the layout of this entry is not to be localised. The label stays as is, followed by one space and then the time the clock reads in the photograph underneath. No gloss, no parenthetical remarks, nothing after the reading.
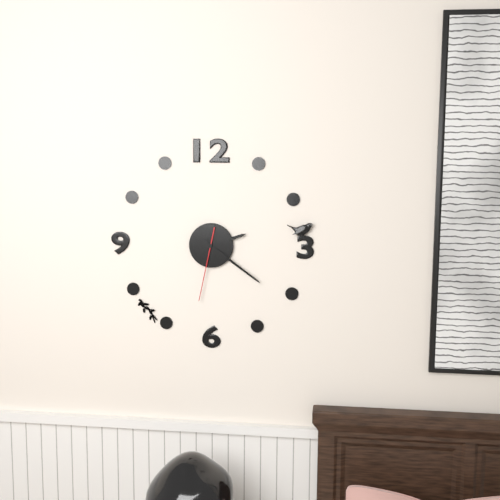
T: 2:21:32
